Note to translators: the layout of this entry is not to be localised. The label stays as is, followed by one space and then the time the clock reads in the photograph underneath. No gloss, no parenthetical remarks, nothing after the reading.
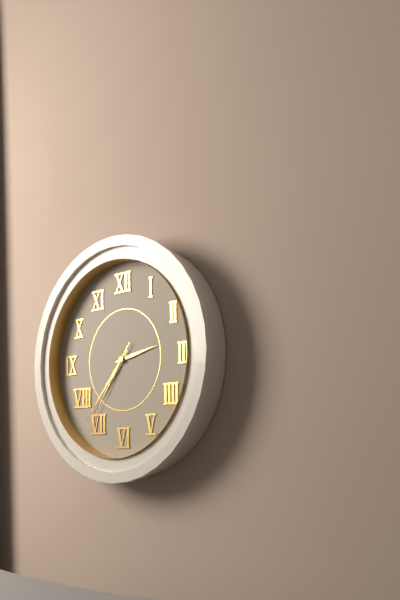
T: 2:37:36
